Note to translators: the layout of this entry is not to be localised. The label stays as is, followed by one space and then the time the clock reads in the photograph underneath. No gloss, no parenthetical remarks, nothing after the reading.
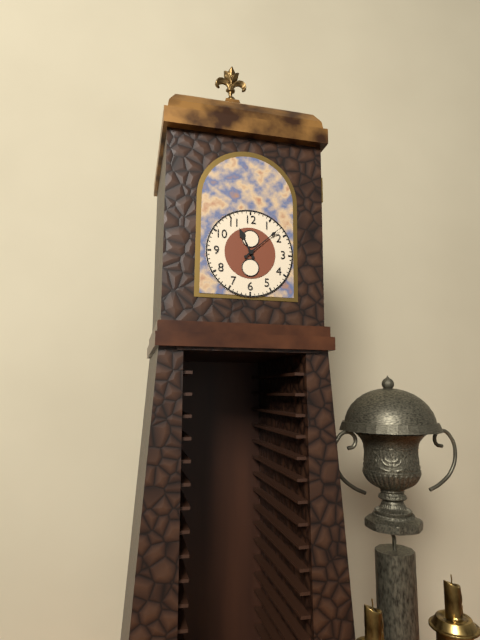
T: 11:08
